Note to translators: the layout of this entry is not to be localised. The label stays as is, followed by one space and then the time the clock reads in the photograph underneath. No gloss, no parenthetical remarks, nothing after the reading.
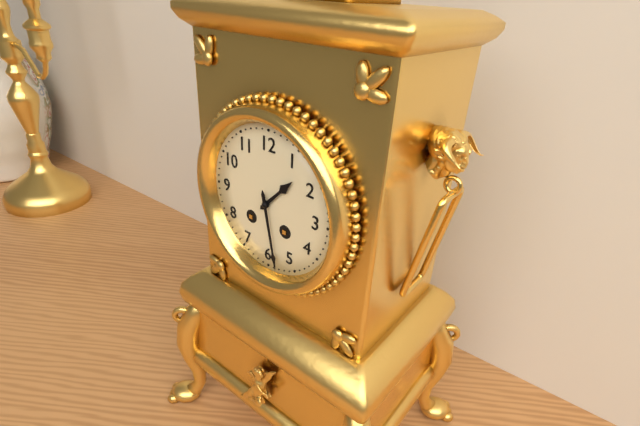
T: 1:28
